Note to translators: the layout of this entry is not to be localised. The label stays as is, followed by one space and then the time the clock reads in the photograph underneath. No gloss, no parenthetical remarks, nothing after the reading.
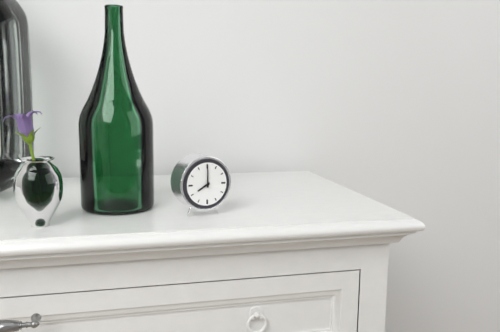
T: 8:00
